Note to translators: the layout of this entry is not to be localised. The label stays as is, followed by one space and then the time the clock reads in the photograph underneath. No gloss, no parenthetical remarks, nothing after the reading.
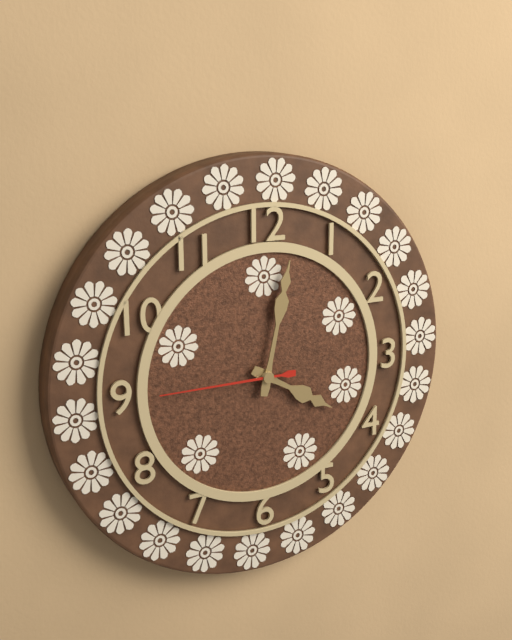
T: 4:02:45
